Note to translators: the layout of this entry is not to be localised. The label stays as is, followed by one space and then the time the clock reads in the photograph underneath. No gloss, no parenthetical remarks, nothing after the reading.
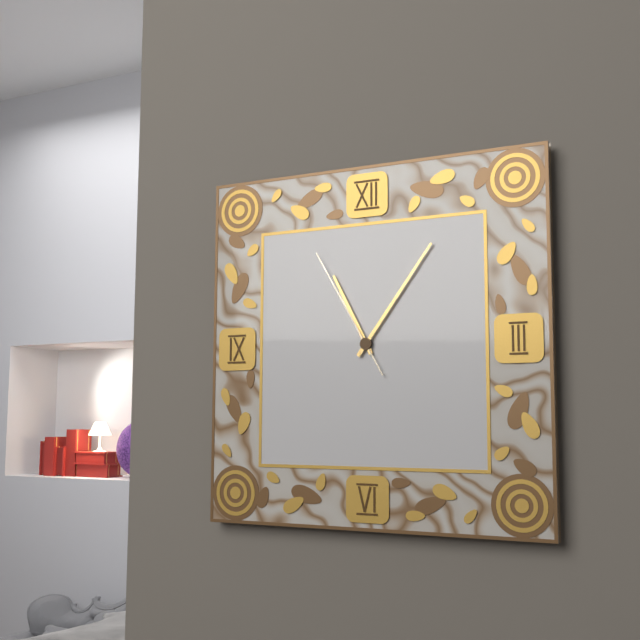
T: 11:06:55
